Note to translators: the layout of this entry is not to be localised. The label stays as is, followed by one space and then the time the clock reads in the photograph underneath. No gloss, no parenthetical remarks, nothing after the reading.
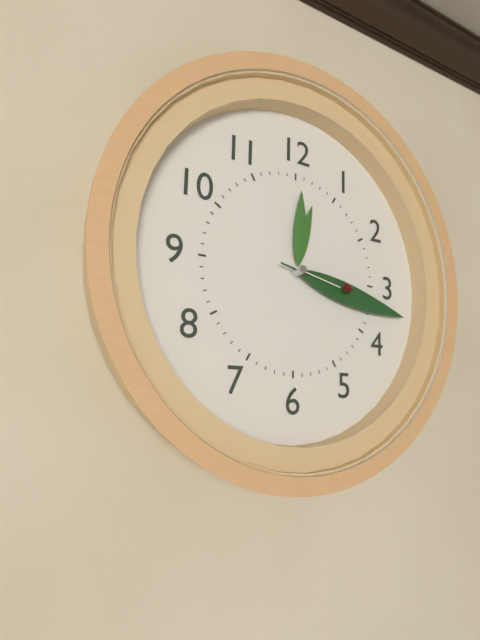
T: 12:17:17
